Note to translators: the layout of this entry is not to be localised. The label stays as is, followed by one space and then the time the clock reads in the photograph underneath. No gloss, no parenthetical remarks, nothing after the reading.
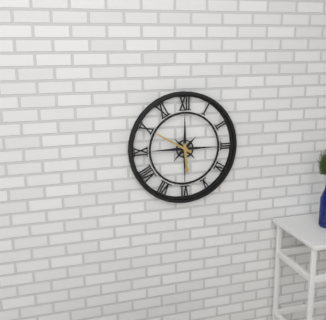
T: 5:50
